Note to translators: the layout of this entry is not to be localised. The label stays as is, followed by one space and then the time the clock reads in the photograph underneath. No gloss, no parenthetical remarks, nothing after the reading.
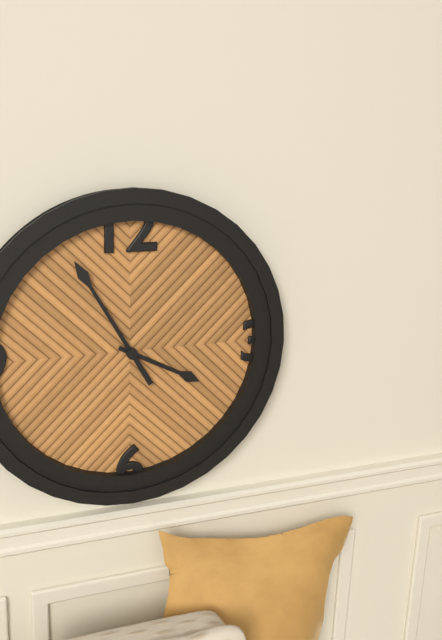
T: 3:55
